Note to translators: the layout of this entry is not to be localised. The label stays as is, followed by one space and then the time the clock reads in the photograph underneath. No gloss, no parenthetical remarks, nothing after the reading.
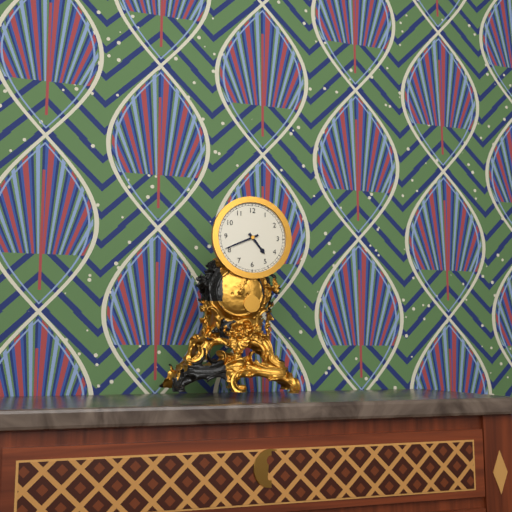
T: 4:41
